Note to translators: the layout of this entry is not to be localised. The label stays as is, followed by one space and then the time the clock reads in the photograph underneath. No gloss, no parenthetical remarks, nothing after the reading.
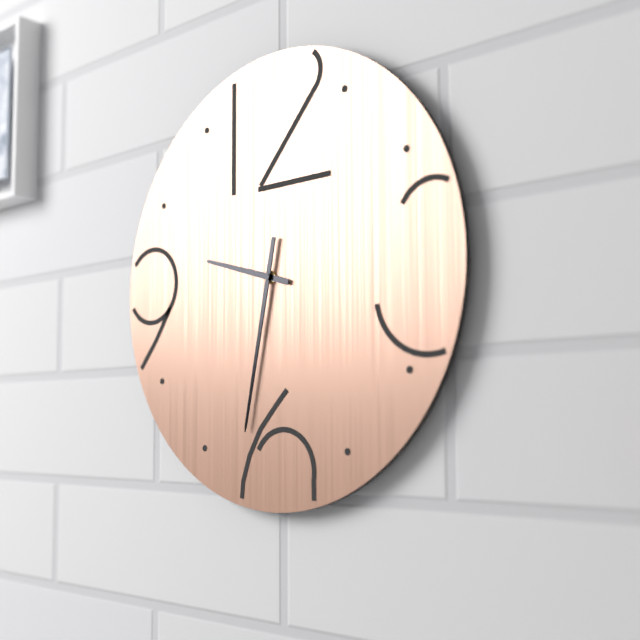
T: 9:32
